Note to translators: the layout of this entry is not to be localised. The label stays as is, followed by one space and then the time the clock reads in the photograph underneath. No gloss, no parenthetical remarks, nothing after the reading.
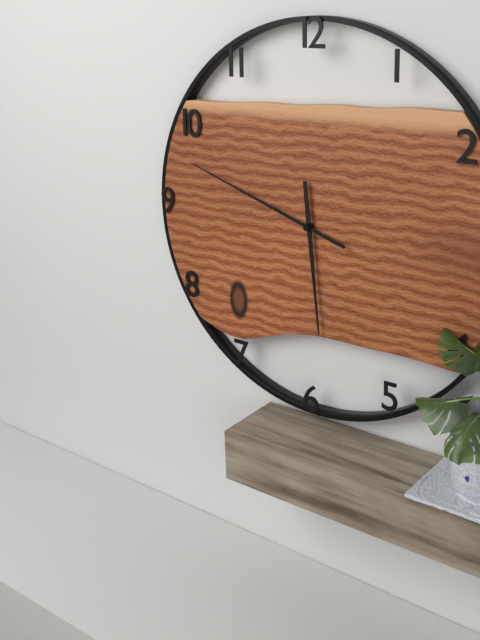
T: 5:48
